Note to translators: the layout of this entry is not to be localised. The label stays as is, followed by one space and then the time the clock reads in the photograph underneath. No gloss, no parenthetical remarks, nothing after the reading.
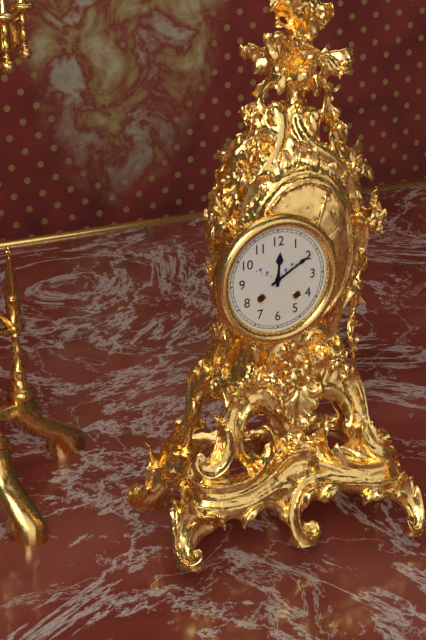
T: 12:10
